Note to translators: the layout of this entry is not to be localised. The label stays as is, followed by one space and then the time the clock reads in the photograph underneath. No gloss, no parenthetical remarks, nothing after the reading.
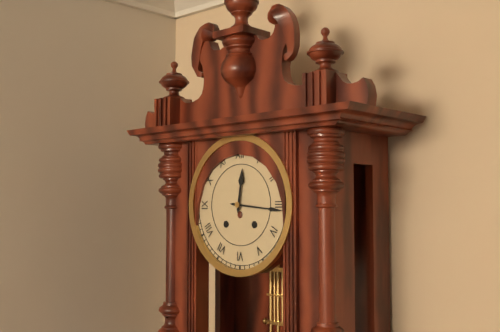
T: 12:16
